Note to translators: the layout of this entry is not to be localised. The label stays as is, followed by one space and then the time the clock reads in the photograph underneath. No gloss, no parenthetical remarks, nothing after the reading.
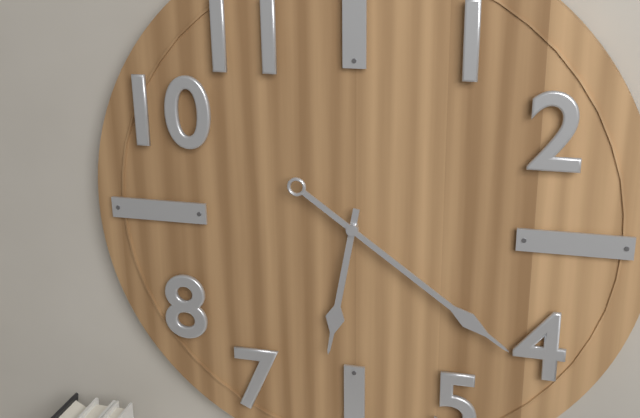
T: 6:21
